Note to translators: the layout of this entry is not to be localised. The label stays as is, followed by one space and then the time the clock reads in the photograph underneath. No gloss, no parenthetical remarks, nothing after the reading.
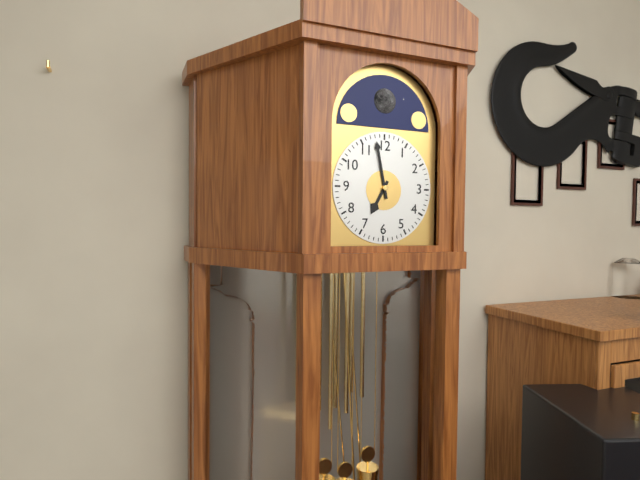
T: 6:58
